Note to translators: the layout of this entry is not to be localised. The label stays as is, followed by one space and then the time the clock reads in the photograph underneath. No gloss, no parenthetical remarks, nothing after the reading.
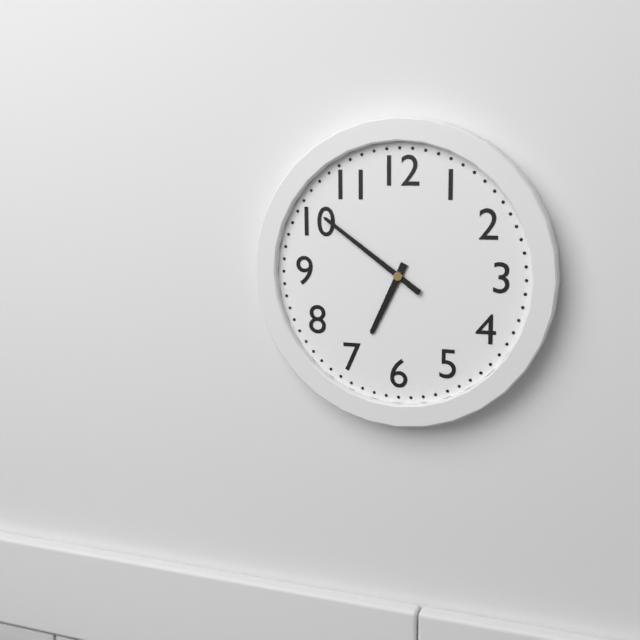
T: 6:51
